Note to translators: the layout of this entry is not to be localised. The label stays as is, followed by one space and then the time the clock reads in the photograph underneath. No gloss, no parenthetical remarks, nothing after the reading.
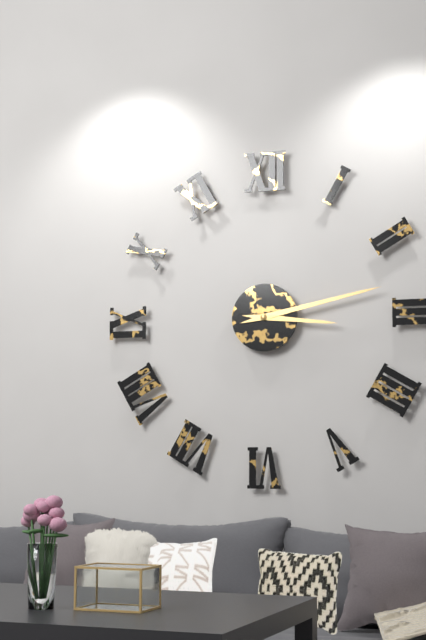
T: 3:13
